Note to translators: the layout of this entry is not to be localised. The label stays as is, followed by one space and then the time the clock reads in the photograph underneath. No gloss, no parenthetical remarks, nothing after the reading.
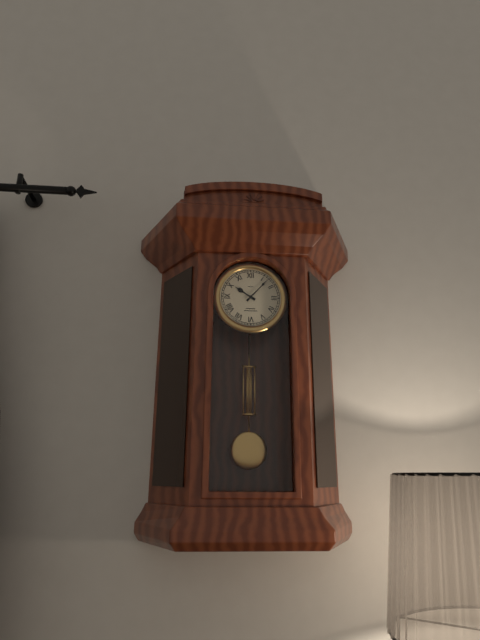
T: 10:07
